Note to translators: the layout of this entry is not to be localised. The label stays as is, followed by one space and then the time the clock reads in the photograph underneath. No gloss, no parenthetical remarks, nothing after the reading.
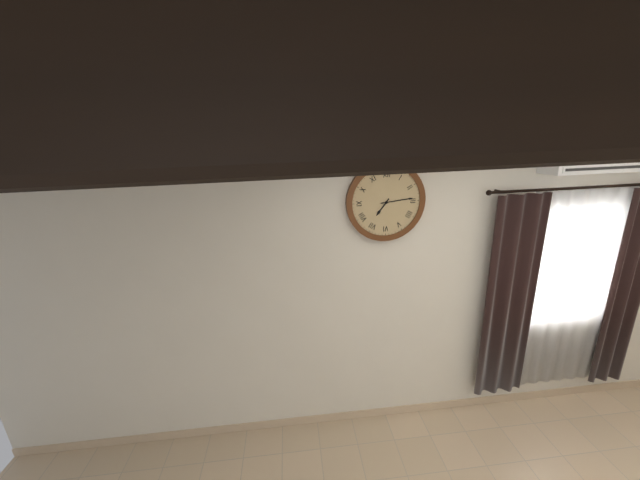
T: 7:14
